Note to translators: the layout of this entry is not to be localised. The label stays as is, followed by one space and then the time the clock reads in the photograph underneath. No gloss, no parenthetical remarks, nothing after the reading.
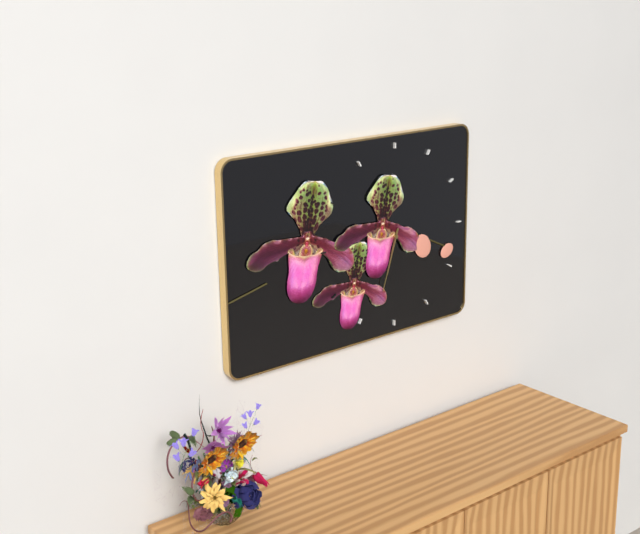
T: 6:33
